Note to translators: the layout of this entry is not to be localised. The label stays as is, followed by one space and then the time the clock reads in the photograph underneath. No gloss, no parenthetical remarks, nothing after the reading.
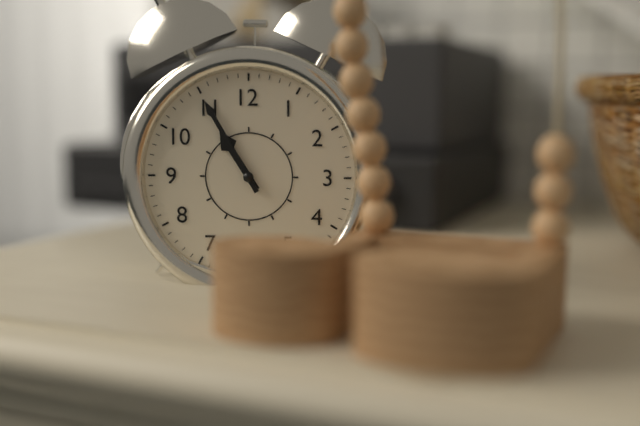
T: 10:55
